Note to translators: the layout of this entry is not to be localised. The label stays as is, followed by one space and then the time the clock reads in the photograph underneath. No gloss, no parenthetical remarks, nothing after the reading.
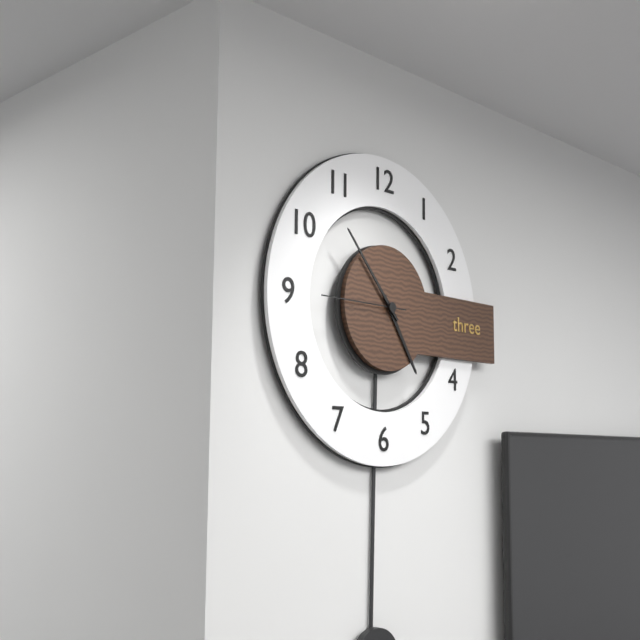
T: 4:53:45
